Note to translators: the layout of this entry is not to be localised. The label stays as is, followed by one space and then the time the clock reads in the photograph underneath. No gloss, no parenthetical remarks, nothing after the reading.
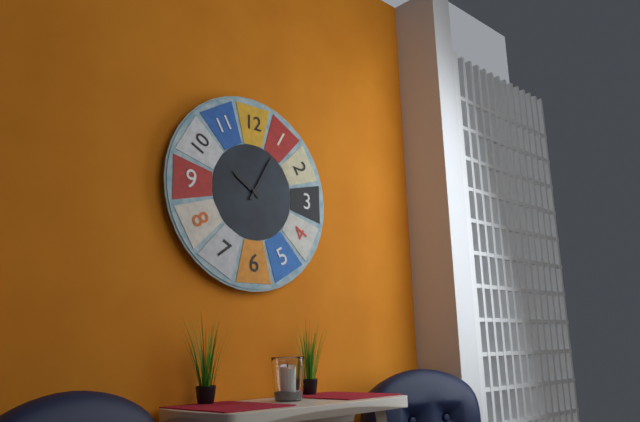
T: 10:05
